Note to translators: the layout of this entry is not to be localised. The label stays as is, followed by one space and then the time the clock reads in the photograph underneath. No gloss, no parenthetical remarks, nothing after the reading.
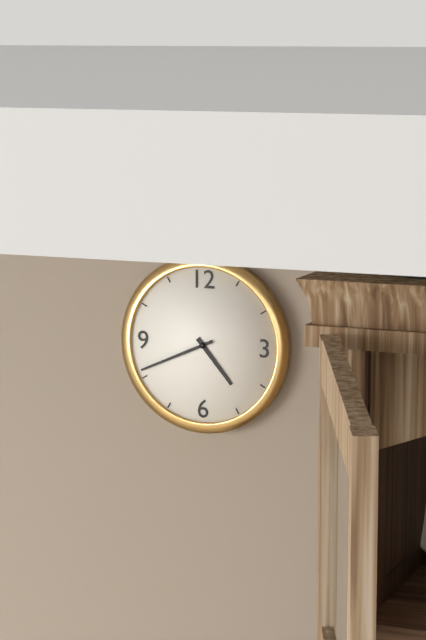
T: 4:41
